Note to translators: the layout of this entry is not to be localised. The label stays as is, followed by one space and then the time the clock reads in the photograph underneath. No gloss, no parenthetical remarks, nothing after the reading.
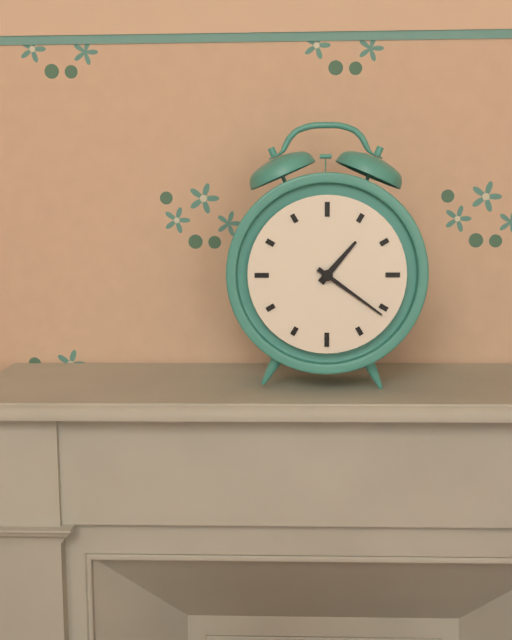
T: 1:21
